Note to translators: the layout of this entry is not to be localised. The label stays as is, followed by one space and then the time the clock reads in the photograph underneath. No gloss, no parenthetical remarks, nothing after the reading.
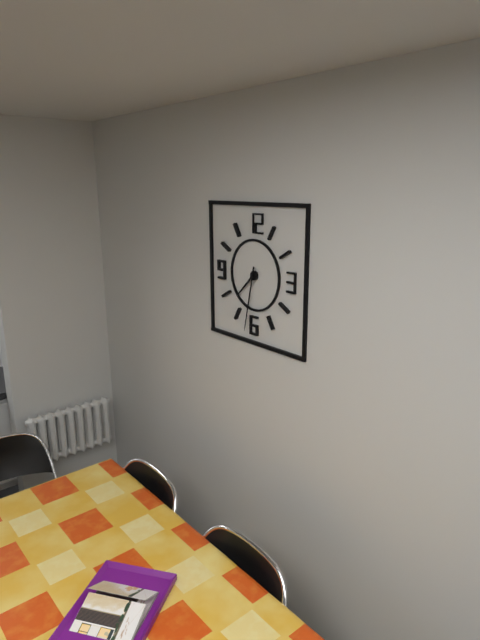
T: 7:32
